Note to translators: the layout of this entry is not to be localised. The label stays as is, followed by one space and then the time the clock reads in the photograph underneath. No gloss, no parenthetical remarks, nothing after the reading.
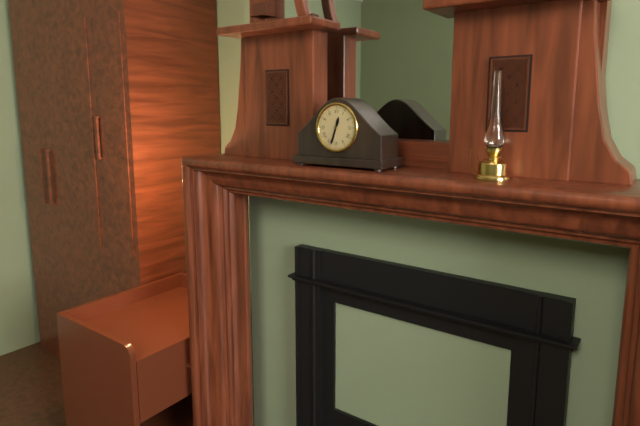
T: 12:33
